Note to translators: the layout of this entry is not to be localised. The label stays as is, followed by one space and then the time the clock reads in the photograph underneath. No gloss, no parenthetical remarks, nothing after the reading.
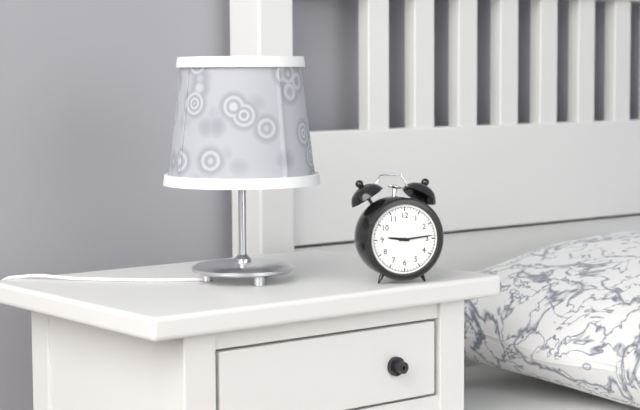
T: 9:14
